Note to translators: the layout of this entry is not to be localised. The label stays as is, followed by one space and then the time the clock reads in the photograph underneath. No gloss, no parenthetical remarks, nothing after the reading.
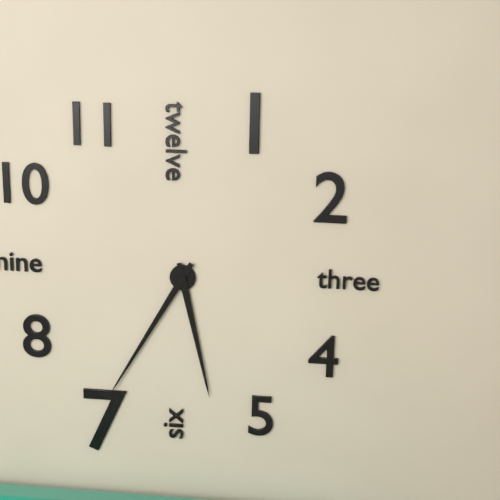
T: 5:35
